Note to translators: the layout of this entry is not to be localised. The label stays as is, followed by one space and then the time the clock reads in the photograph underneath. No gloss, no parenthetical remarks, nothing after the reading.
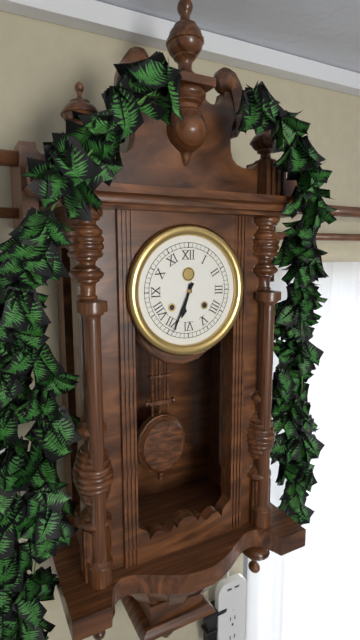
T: 6:34
